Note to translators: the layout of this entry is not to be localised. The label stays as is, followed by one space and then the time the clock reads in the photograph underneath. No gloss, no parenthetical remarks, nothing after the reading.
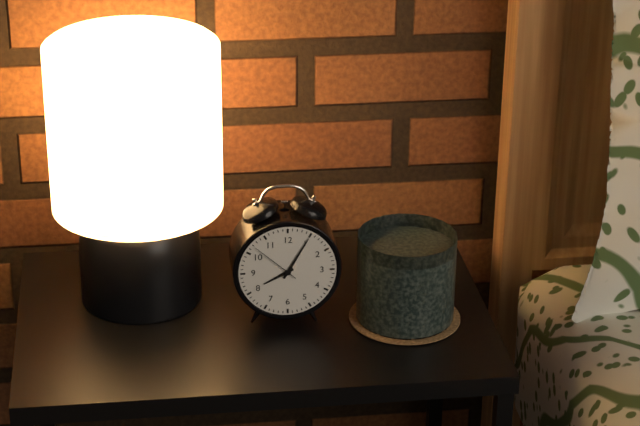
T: 8:05:52
